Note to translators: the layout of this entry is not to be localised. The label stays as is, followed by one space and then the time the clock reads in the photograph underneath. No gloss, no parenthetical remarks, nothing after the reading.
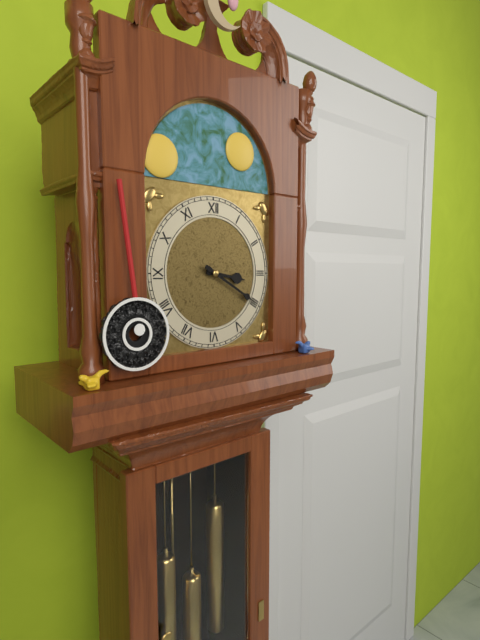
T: 3:20
